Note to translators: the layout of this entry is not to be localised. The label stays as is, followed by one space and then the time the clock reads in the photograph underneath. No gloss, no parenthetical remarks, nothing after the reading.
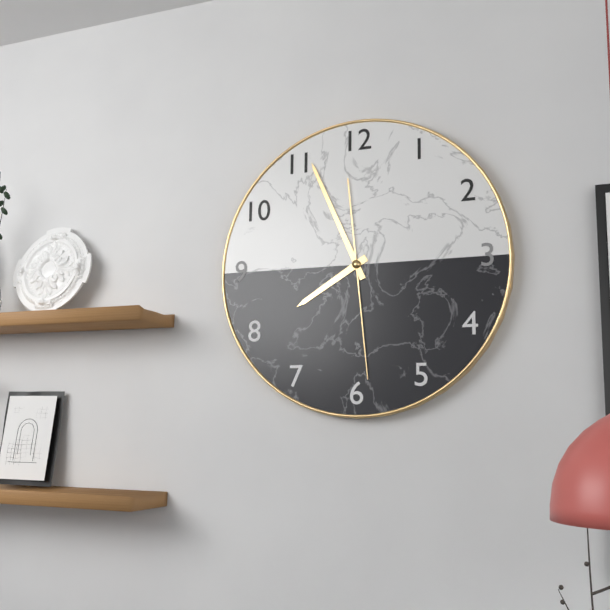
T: 7:56:29
